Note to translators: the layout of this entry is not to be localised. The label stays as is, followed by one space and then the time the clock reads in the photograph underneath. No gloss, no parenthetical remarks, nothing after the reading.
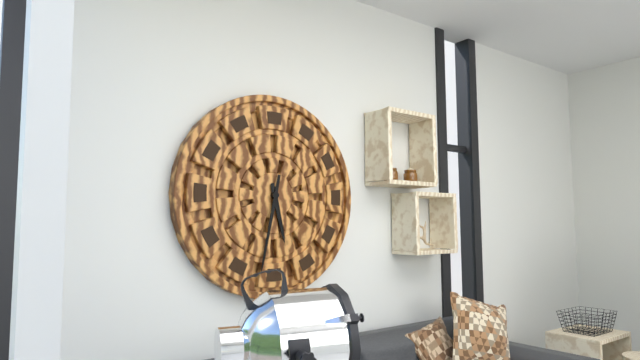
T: 5:32
